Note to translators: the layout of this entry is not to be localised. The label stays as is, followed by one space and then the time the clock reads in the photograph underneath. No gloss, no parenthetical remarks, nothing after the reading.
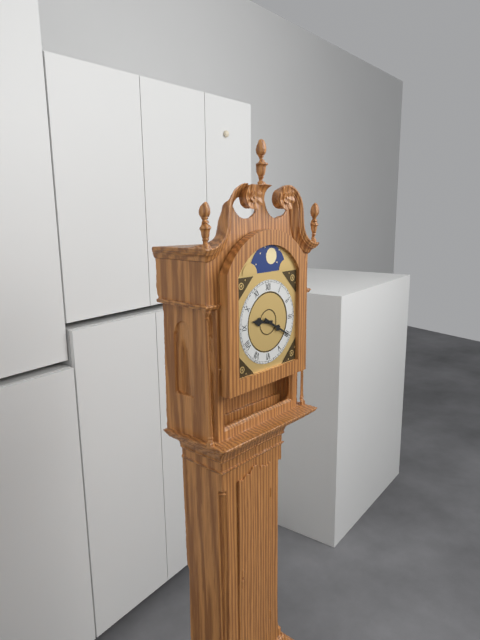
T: 9:20
